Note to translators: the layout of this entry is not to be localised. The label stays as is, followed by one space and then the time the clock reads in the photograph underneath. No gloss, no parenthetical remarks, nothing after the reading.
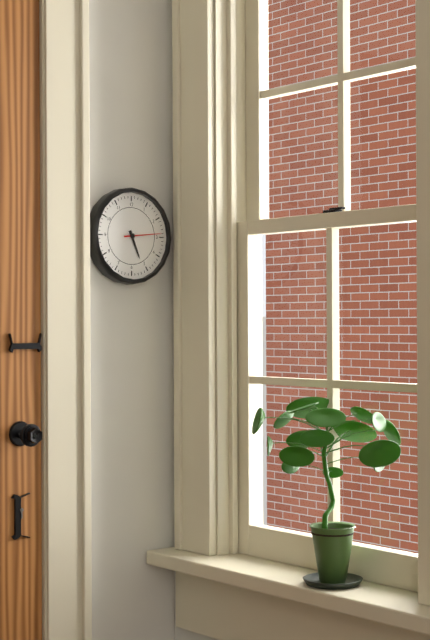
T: 5:14
